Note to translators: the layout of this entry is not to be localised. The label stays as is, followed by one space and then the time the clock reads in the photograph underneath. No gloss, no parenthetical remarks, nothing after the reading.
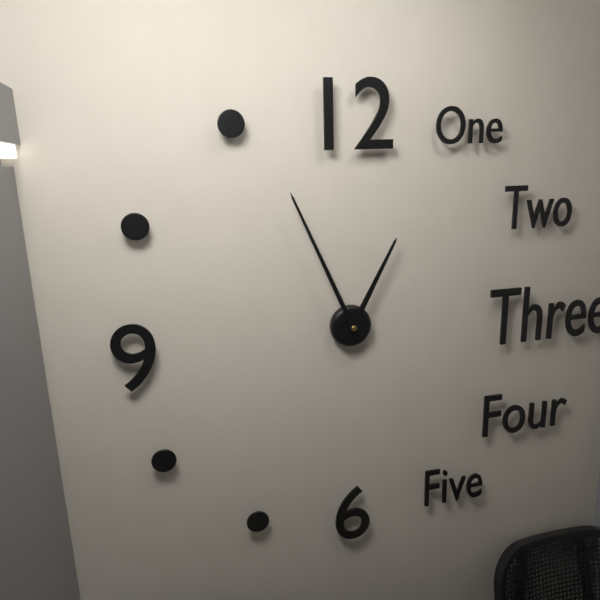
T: 12:56
